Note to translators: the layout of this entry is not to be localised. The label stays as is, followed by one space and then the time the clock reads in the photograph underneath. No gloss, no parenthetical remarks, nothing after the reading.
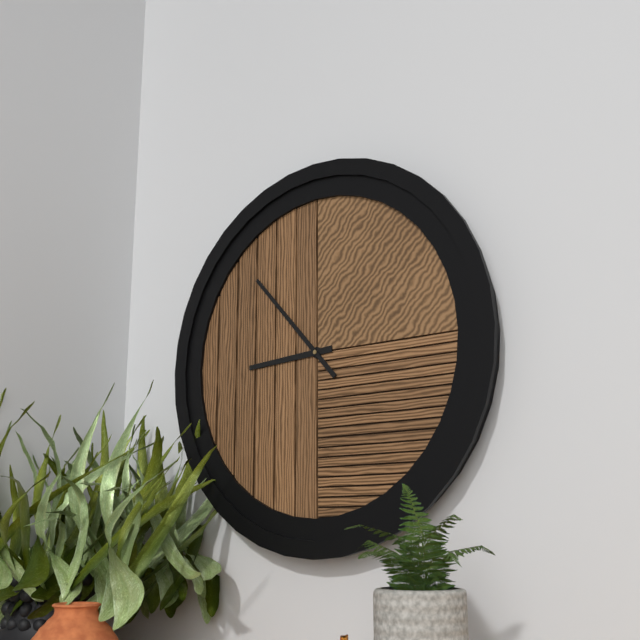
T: 8:53
